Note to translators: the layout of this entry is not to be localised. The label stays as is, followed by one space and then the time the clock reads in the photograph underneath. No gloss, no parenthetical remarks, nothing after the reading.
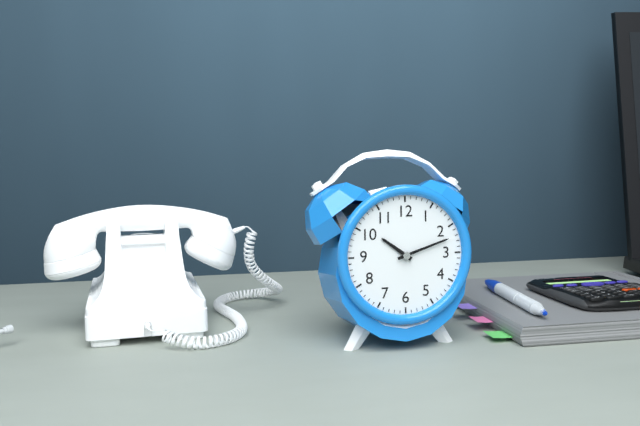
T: 10:12
